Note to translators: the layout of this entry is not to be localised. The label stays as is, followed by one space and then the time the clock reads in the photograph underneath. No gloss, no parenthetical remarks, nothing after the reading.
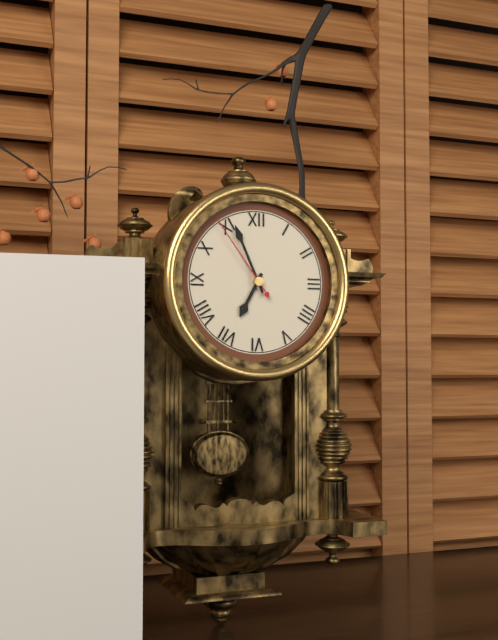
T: 6:56:54
